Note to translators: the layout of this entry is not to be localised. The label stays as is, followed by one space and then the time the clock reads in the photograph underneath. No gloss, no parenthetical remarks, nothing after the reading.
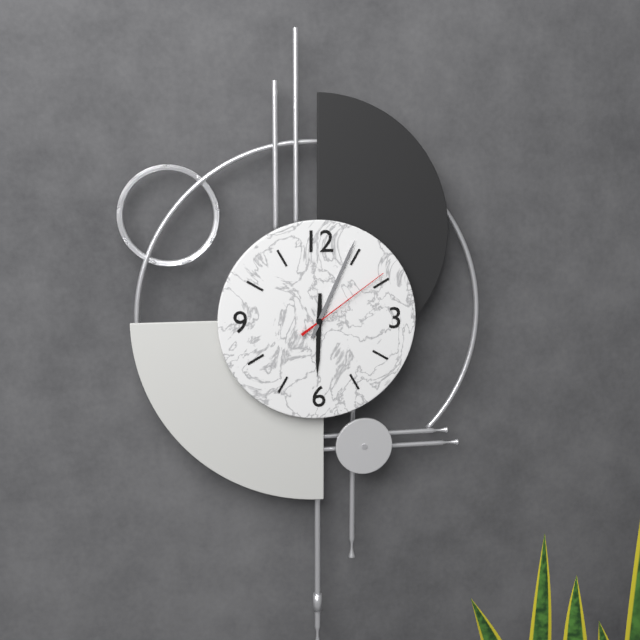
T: 6:04:09
